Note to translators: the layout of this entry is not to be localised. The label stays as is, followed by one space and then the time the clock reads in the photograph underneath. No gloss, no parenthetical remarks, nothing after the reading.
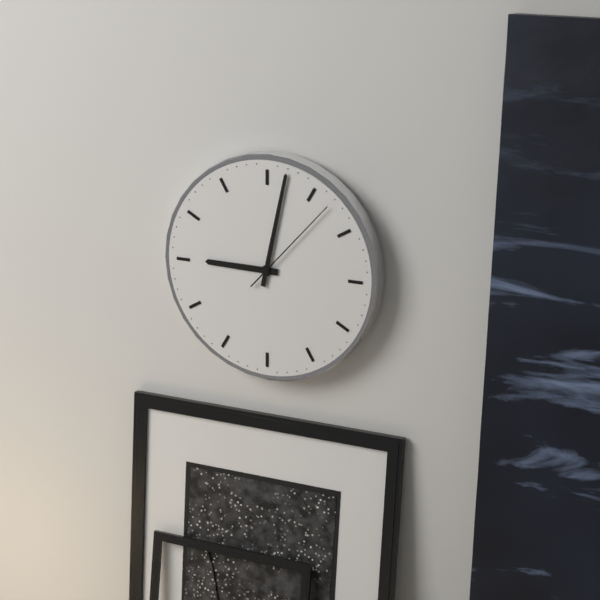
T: 9:02:07
